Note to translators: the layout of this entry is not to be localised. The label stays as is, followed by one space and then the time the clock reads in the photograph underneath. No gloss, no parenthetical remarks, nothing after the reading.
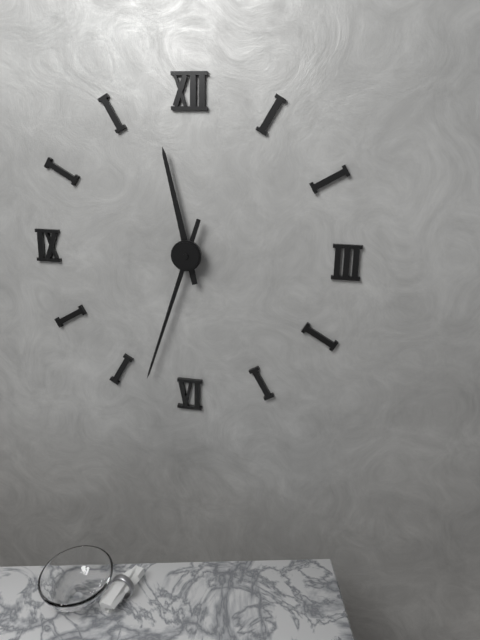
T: 11:33
